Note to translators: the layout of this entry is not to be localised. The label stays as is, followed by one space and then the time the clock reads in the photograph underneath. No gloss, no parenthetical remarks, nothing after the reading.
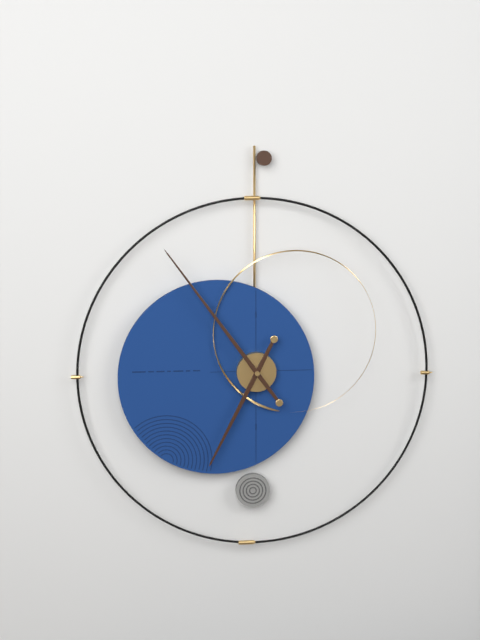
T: 6:54
